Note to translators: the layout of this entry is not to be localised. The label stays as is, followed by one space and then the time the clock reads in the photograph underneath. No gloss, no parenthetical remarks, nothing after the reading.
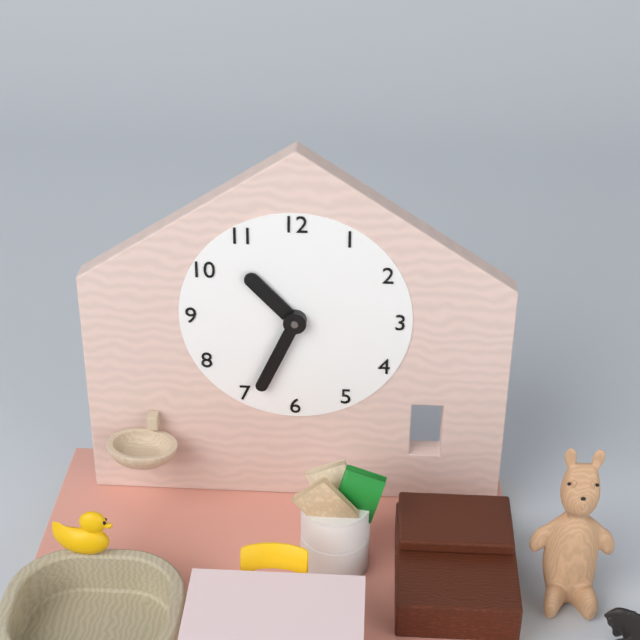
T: 10:34
